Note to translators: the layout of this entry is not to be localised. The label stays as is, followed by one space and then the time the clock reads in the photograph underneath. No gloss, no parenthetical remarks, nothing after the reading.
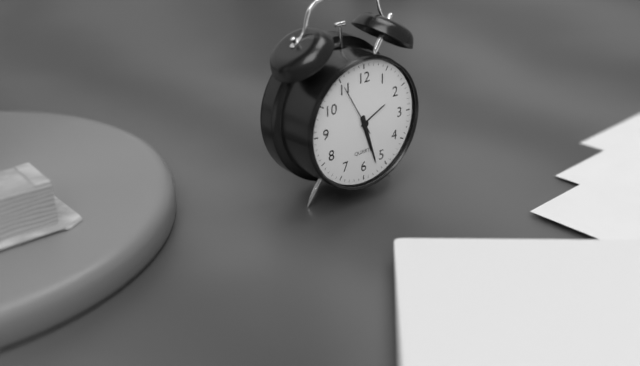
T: 5:27:55
